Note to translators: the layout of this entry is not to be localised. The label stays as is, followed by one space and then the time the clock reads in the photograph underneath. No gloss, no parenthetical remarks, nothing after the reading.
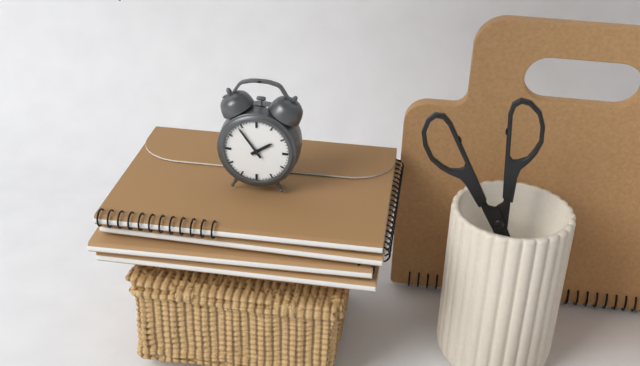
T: 1:54
